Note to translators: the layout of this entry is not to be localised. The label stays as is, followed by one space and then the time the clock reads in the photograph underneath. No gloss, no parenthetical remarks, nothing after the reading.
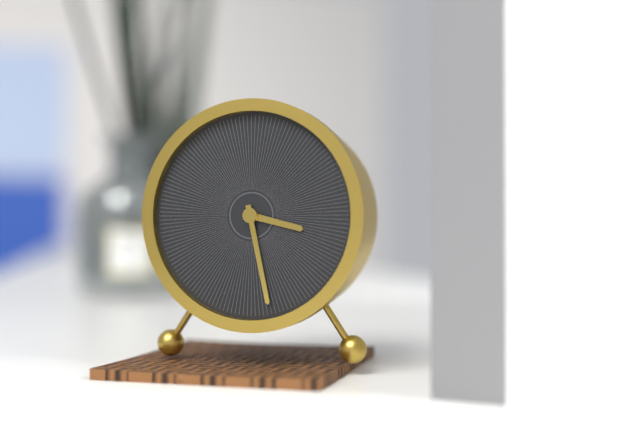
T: 3:28
